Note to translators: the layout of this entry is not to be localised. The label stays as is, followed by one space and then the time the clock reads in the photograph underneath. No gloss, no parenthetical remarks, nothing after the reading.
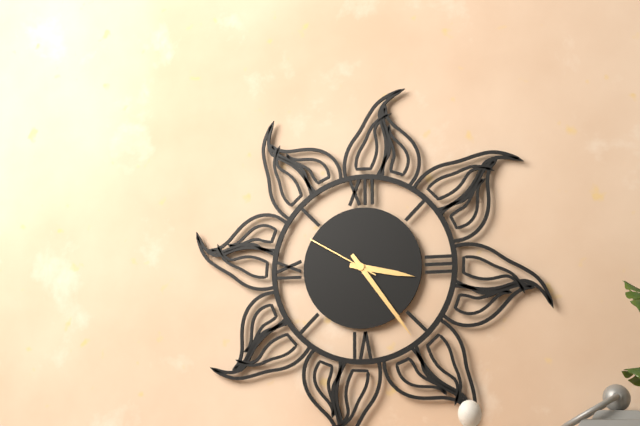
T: 3:24:50
